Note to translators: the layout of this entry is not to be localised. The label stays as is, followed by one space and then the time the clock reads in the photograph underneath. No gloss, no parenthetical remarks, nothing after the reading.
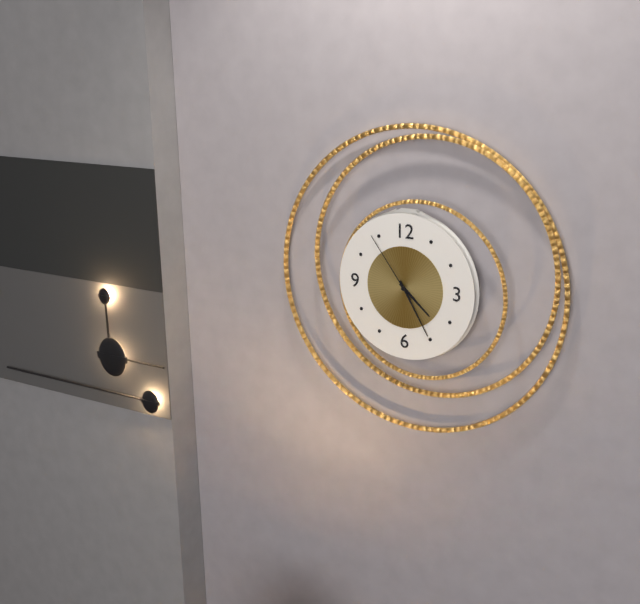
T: 4:25:54
